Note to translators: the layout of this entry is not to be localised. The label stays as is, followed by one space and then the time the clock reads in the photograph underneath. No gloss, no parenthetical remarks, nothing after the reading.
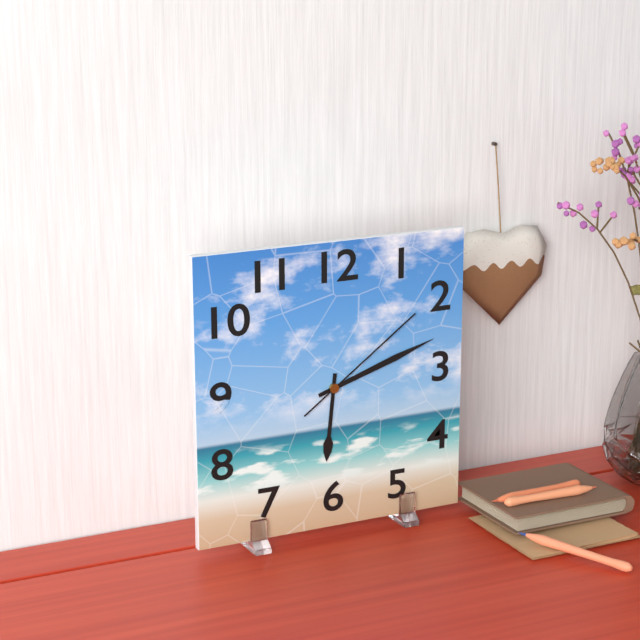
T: 6:12:09
